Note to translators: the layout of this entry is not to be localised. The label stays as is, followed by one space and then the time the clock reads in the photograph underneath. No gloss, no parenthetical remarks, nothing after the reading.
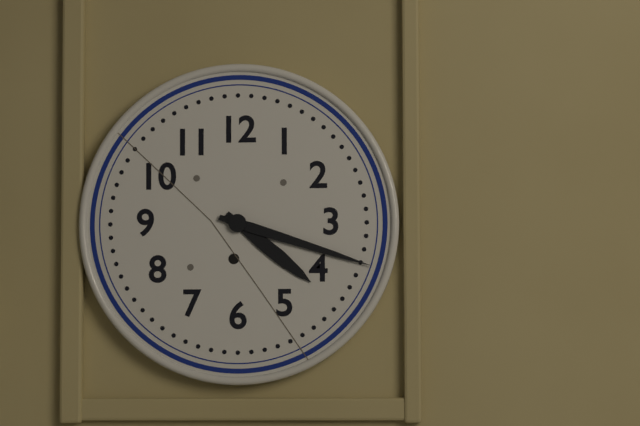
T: 4:18
